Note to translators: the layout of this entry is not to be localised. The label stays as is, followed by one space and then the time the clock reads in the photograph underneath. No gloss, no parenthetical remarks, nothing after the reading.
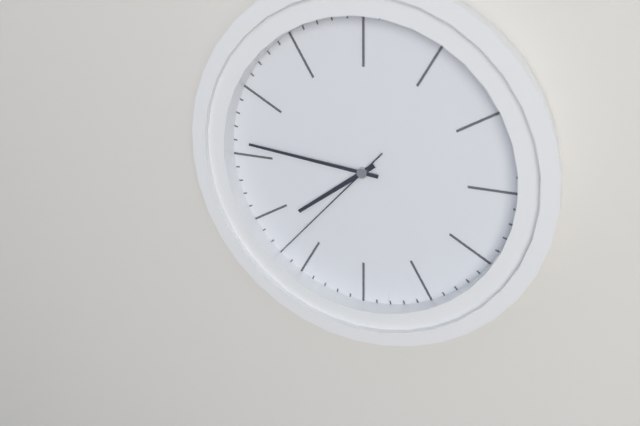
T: 7:46:37
